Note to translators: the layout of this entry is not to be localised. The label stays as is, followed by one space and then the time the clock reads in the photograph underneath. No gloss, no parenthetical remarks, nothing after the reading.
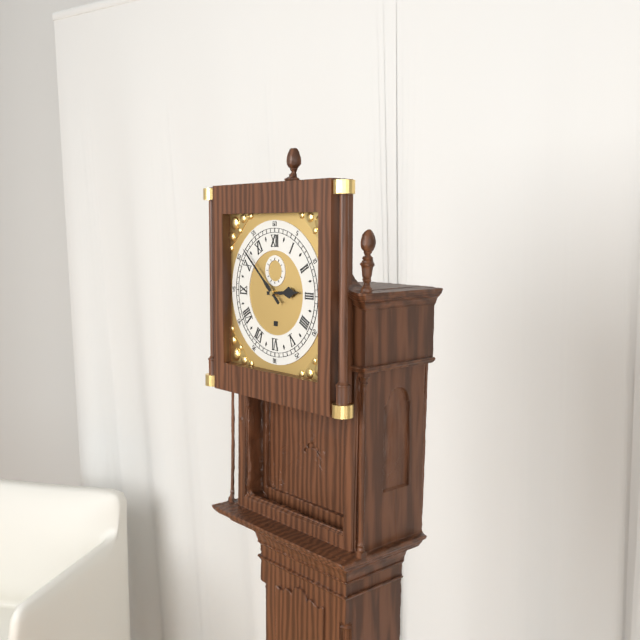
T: 2:52
